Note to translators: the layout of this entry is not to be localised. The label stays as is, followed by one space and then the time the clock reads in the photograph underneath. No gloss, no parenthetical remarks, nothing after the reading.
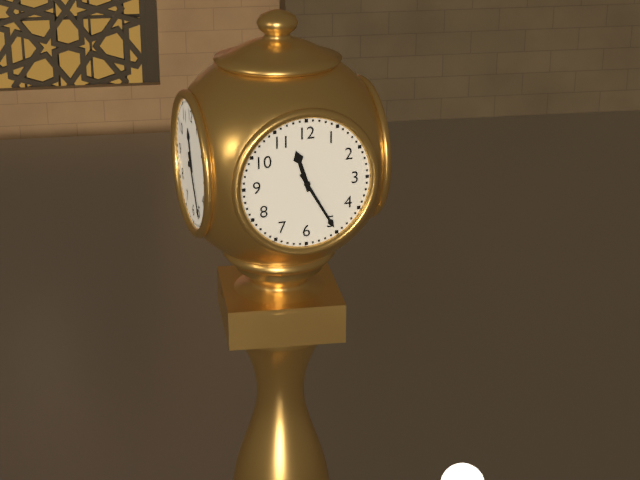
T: 11:25
